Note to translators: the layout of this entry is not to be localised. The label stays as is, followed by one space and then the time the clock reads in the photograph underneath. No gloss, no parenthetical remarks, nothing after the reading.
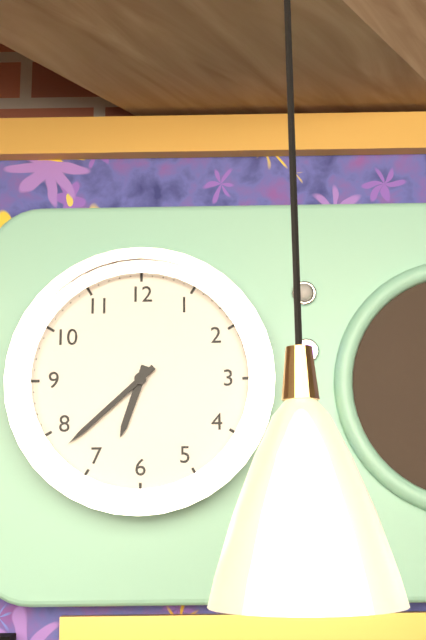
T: 6:38
